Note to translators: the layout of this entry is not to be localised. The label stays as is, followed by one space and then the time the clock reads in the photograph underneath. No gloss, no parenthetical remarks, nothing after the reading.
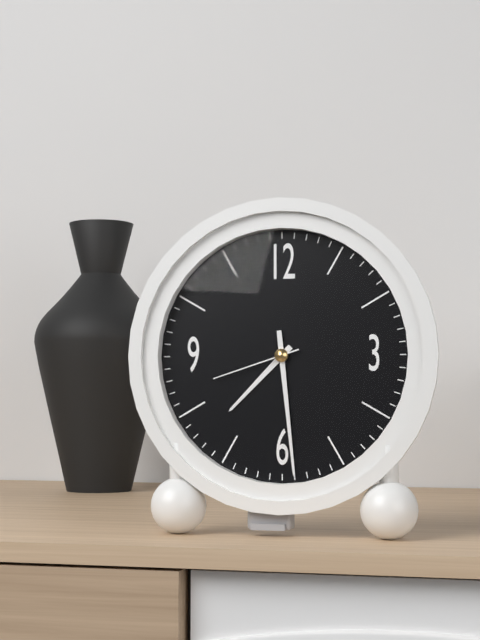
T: 7:29:42
